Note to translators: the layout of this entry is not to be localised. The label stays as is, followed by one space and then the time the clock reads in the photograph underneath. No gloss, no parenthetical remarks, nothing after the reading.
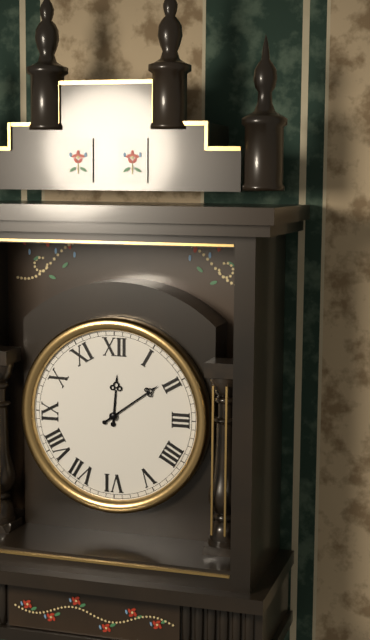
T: 12:09
